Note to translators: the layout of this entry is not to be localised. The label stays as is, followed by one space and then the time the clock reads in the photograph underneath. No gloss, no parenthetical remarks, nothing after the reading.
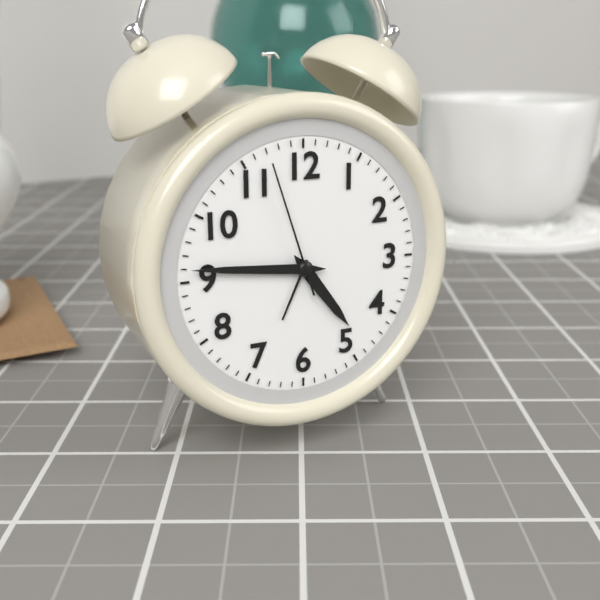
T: 4:46:57
